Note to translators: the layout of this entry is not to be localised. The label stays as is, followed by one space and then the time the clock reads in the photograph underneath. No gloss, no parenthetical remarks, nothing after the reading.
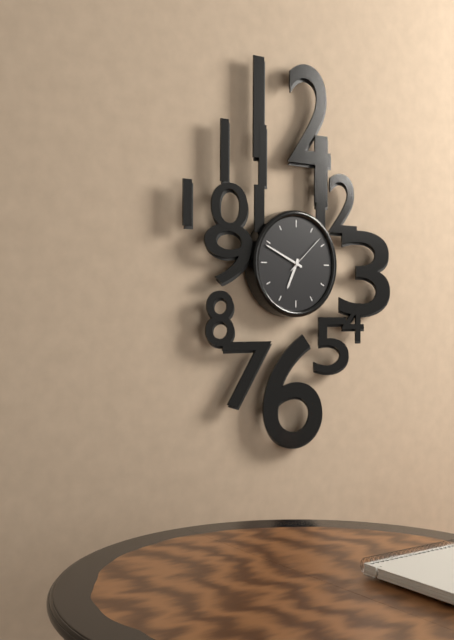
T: 6:49:08
